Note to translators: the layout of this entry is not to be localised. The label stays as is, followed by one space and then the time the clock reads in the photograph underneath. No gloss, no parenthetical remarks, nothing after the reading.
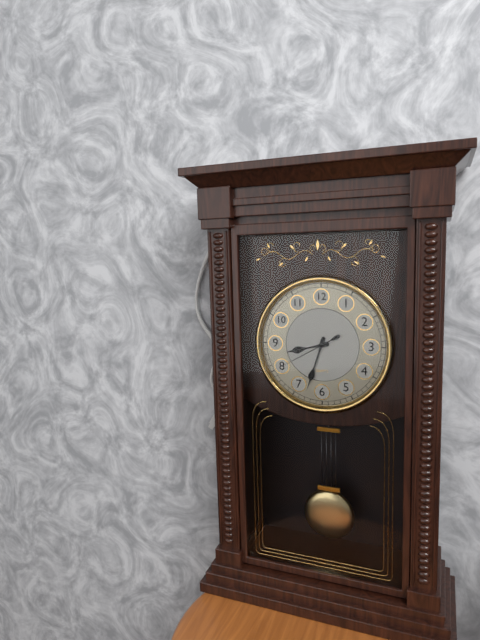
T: 8:33:40
